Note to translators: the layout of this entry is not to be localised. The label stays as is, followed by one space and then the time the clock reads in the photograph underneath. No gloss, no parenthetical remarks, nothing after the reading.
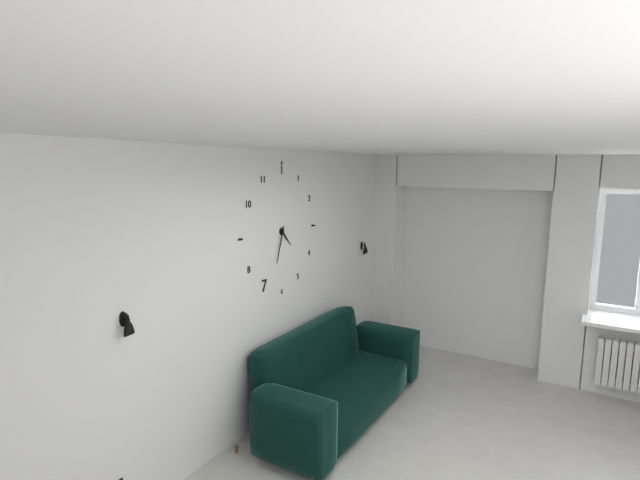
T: 4:33
